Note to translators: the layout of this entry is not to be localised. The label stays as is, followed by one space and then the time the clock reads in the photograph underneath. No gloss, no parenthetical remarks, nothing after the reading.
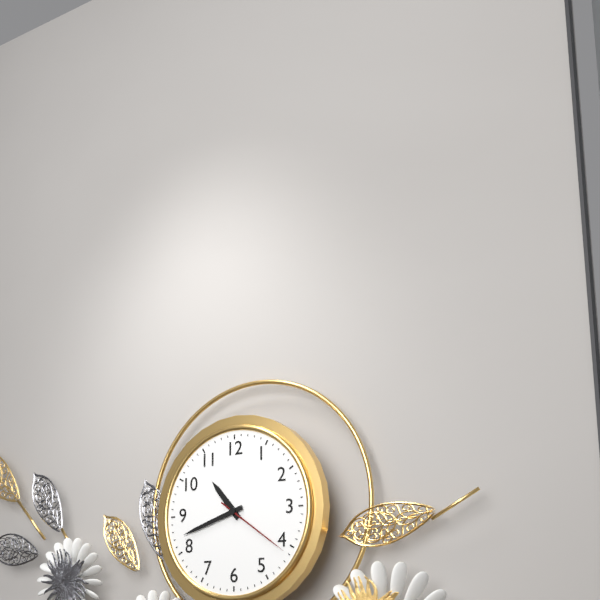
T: 10:42:21
